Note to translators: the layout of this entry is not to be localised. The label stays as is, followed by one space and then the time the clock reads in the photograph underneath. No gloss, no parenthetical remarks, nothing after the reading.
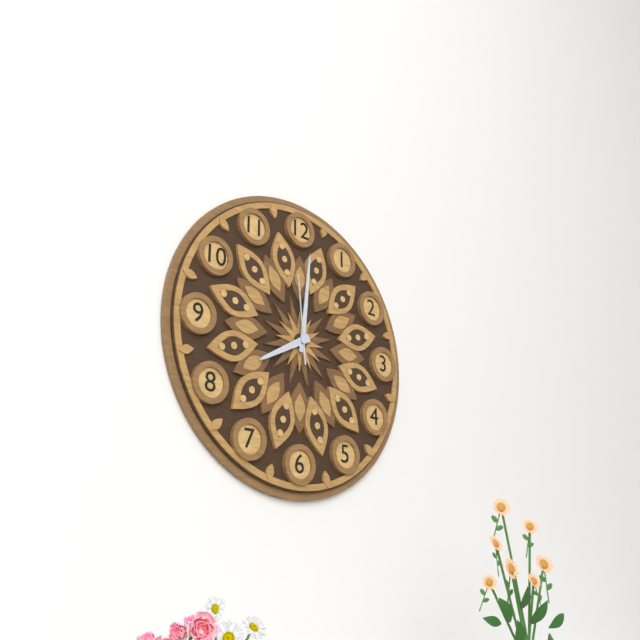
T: 8:01:59
